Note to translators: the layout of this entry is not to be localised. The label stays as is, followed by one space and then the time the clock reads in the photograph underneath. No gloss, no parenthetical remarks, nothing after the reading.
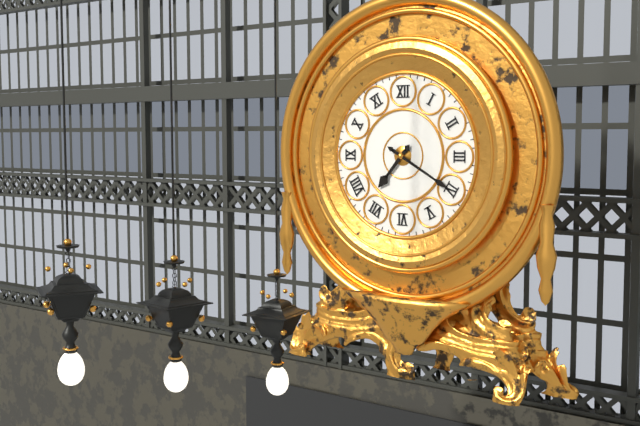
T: 7:20
